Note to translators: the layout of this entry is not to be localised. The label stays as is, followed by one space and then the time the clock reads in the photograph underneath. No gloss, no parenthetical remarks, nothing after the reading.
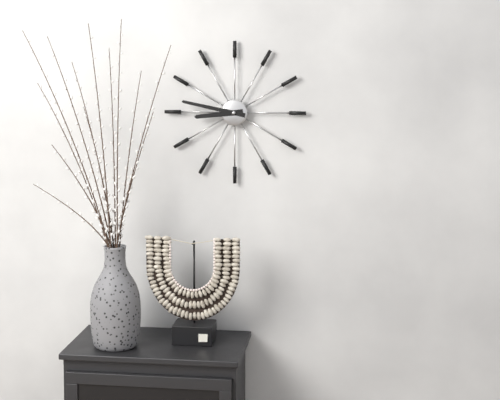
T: 8:47
